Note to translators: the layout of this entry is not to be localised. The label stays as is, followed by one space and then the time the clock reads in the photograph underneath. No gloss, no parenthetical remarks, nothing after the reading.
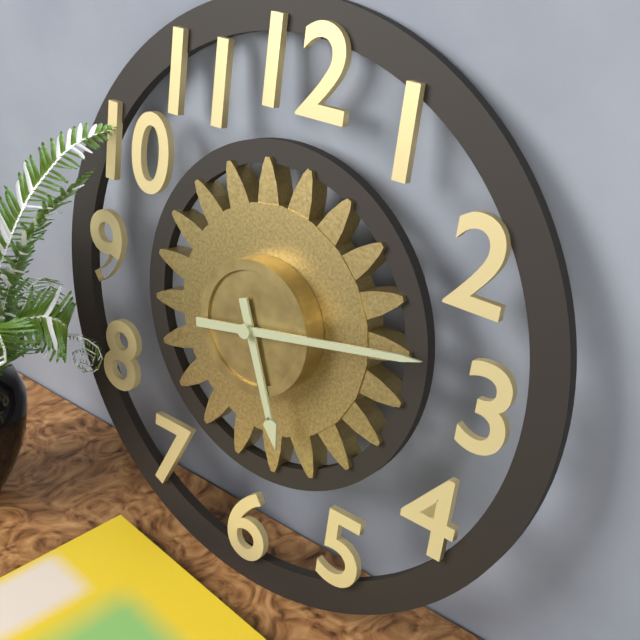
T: 5:13
